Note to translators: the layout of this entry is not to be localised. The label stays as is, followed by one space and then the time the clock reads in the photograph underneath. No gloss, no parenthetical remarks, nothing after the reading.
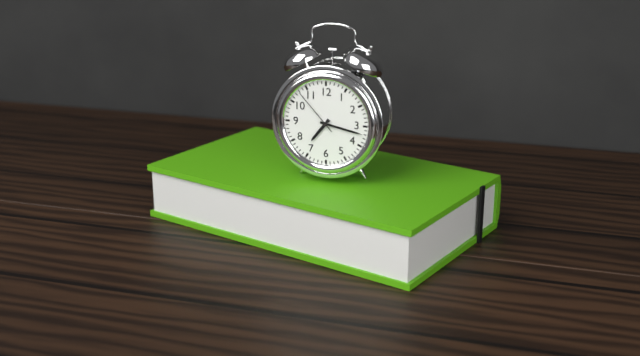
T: 7:17:53
